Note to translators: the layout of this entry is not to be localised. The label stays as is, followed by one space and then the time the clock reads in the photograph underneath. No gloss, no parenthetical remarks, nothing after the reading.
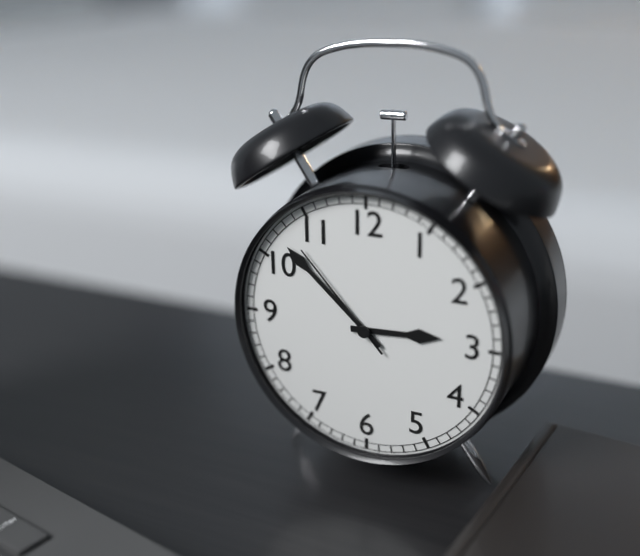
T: 2:52:53
